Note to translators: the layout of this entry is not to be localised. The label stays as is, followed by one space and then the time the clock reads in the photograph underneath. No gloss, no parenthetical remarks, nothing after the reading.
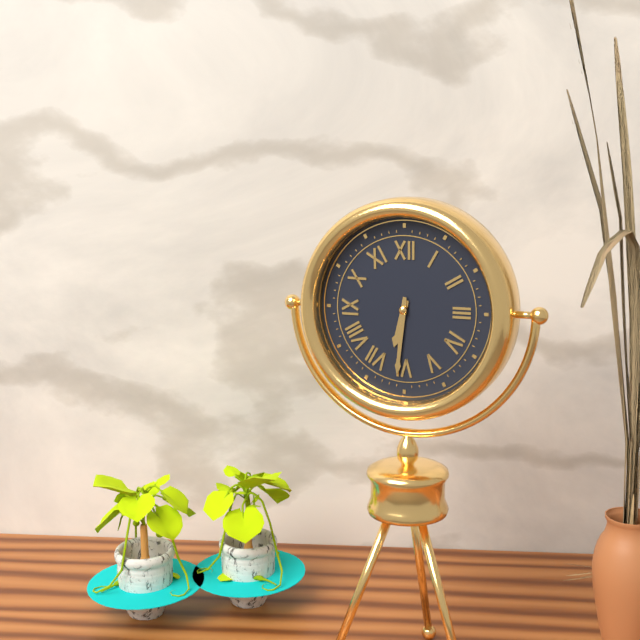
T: 6:31
